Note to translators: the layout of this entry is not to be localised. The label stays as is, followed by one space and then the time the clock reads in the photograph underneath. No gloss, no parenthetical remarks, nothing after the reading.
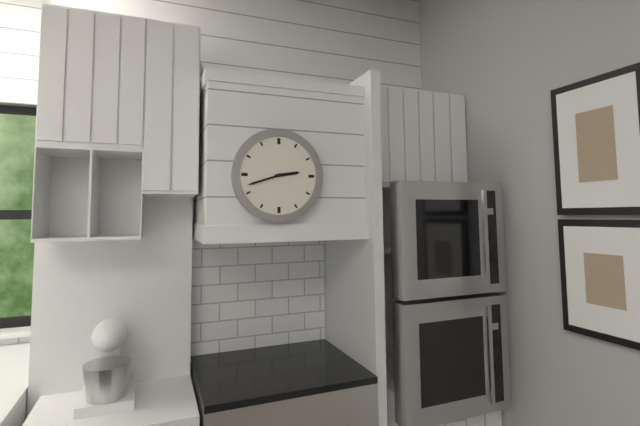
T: 2:42
